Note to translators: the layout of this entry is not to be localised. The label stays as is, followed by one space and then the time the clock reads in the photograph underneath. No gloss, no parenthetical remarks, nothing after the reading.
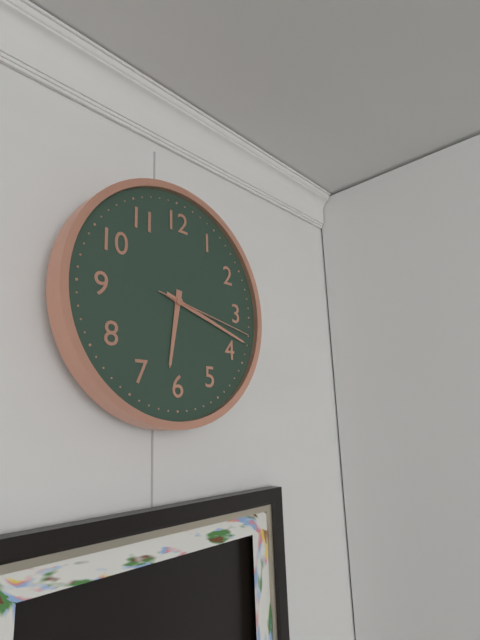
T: 6:18:17
